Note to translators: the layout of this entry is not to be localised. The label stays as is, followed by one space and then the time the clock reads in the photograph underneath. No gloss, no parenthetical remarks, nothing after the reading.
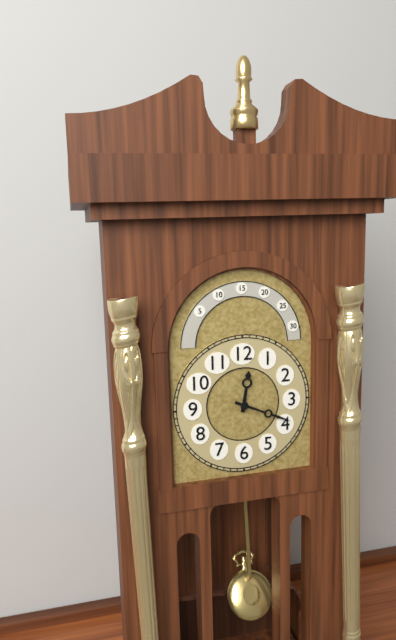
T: 12:19
